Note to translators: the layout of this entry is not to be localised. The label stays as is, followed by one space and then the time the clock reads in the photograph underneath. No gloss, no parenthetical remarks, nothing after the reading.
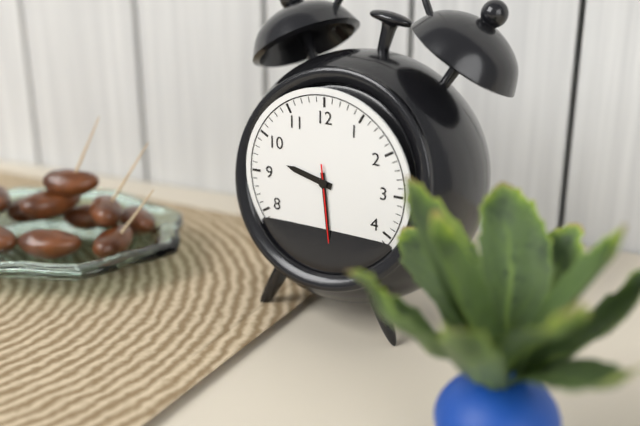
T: 9:29:29
